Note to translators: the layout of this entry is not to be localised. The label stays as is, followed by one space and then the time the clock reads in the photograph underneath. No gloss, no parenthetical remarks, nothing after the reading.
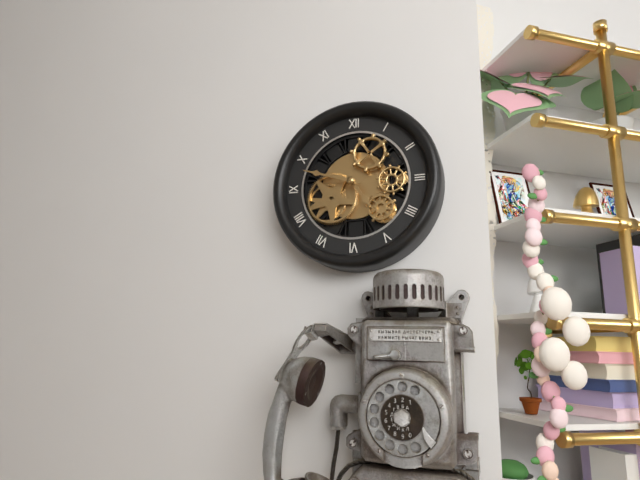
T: 4:48
